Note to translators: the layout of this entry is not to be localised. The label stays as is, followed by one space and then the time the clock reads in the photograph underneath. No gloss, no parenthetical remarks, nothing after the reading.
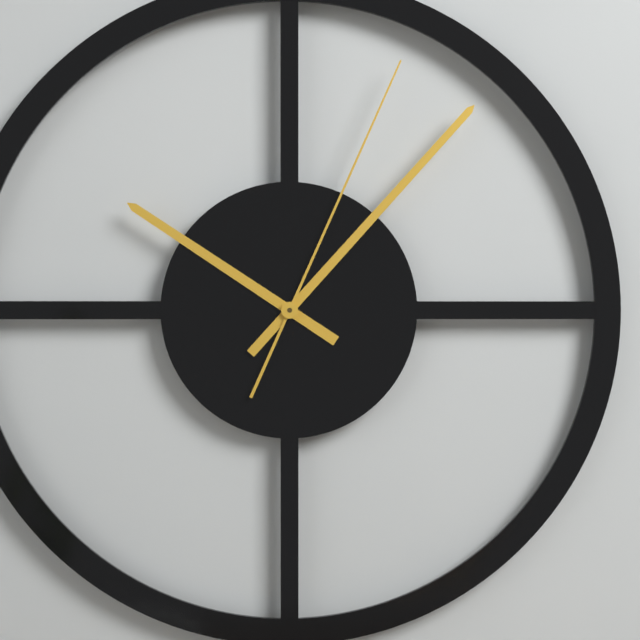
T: 10:07:04
